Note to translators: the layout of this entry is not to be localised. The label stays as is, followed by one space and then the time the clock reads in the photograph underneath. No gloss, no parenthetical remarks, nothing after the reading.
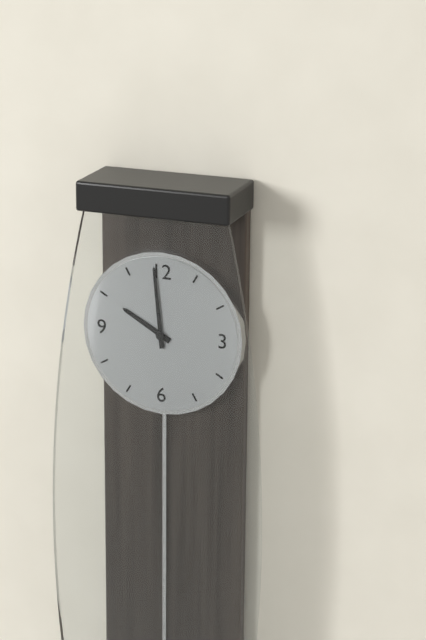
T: 9:59
